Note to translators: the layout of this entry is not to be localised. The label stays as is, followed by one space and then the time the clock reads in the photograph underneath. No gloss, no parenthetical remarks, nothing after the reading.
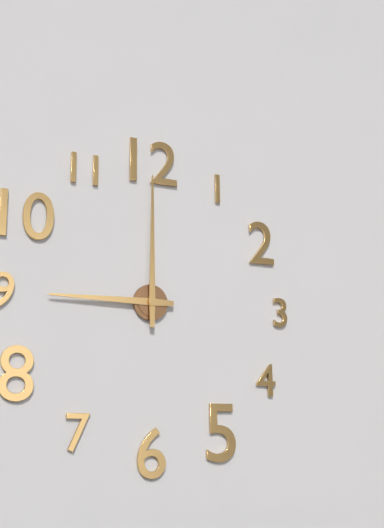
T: 9:00
